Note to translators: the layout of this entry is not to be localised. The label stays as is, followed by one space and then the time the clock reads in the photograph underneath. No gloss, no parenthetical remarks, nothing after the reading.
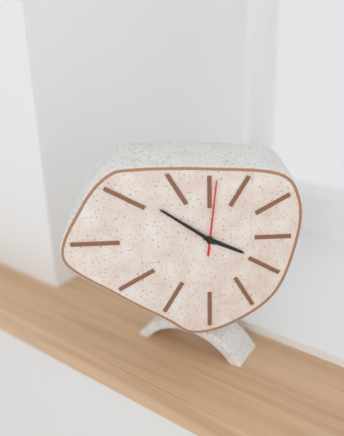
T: 3:51:01
